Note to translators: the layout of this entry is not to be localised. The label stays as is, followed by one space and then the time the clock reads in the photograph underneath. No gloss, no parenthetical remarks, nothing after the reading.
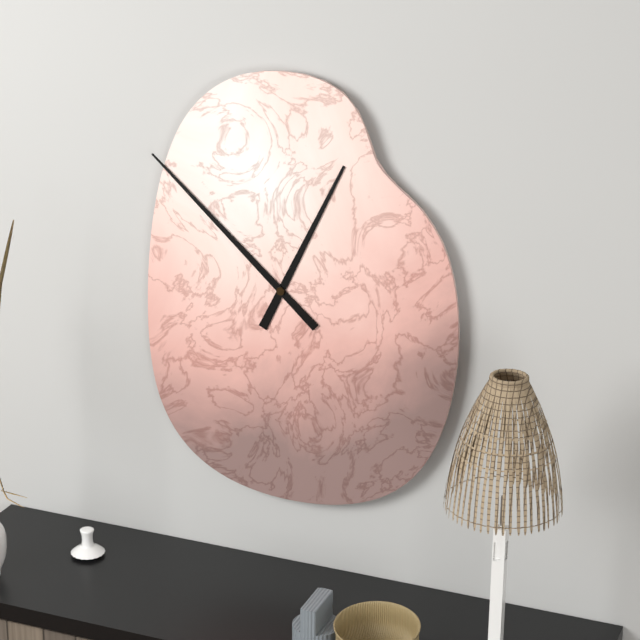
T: 12:52
